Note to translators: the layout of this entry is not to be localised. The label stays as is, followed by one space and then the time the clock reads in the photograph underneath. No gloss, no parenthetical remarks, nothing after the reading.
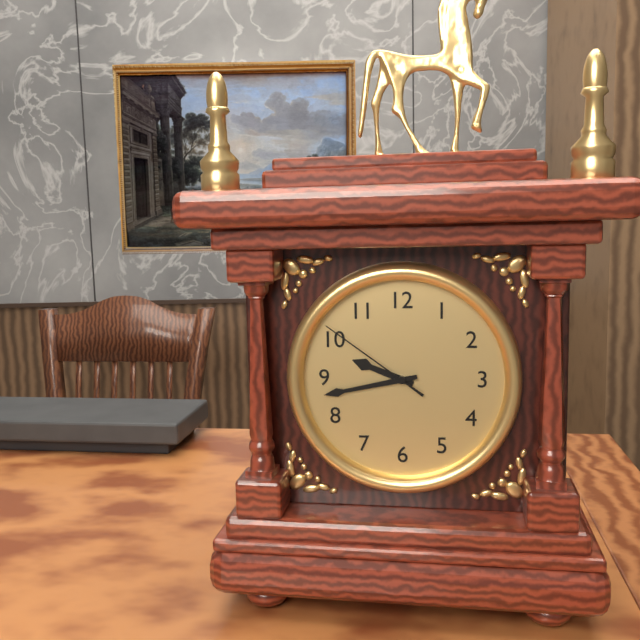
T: 9:43:51
